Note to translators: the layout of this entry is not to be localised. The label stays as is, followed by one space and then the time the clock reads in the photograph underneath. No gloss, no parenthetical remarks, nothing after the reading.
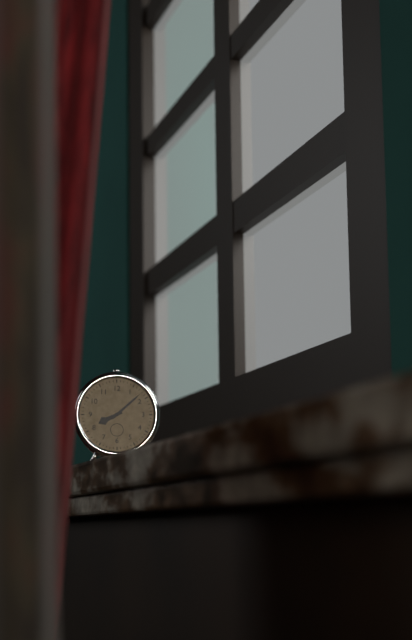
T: 8:08
